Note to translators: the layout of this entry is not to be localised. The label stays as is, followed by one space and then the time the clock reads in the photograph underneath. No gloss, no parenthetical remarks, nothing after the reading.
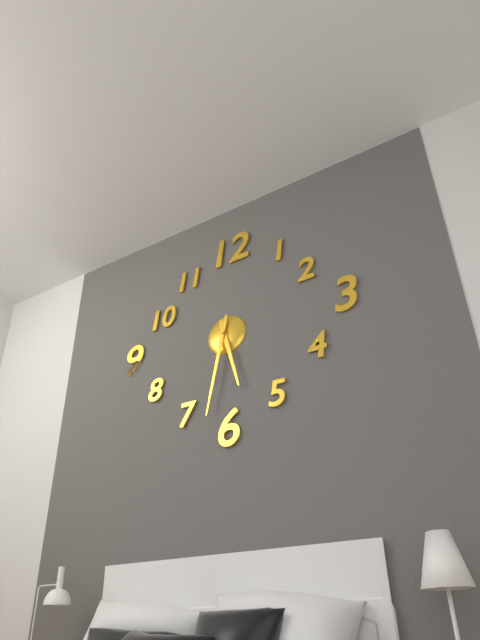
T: 5:32
